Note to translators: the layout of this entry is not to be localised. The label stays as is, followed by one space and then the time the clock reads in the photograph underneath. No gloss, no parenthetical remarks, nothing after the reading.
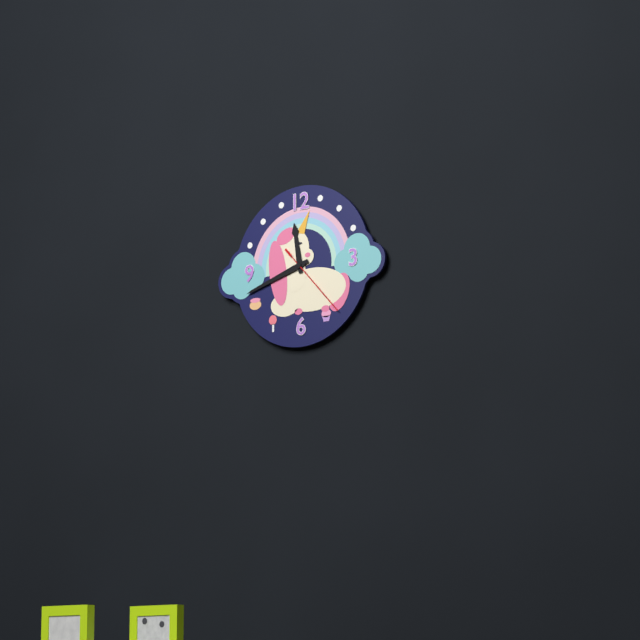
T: 11:42:23
